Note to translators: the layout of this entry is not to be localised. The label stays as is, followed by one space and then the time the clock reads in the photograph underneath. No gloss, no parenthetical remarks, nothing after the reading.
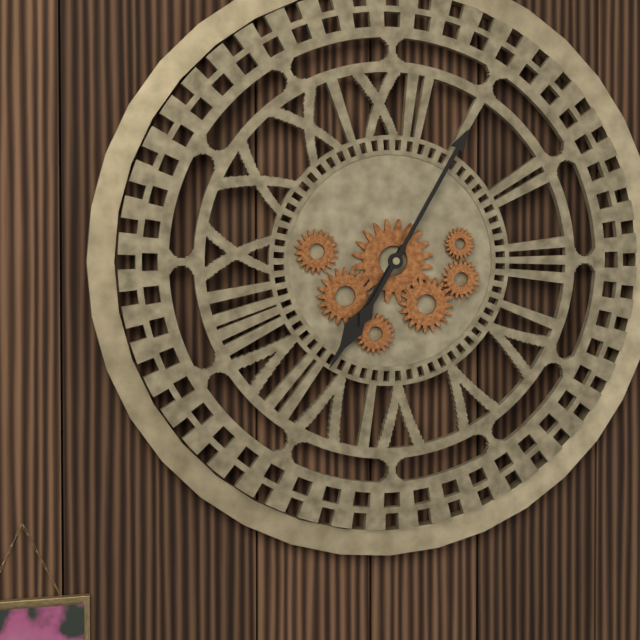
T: 7:05
